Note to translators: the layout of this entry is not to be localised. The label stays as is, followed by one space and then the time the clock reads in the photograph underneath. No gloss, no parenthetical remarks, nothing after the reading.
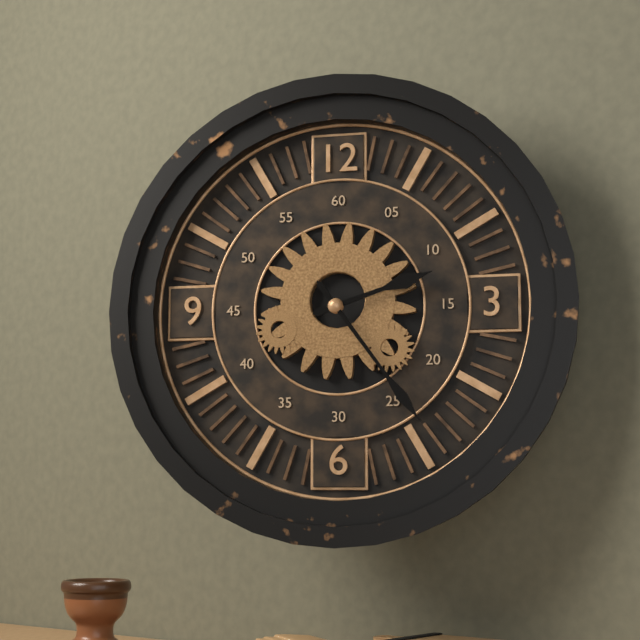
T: 2:24
